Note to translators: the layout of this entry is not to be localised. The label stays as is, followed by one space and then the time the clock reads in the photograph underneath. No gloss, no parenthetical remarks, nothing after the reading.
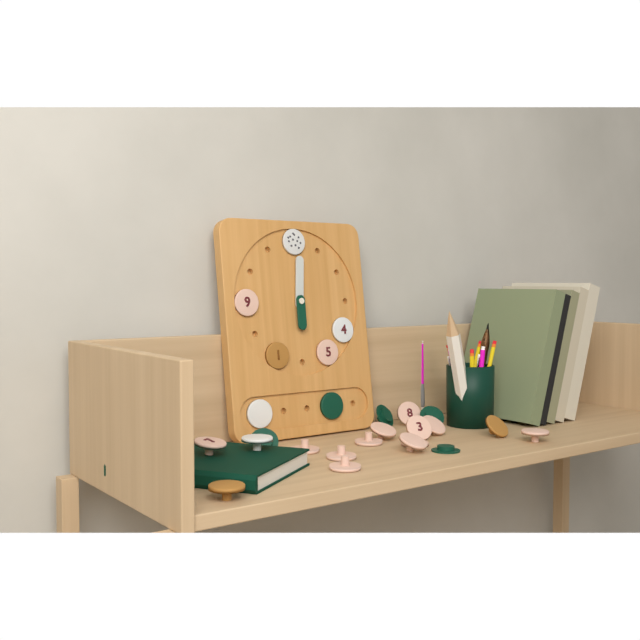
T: 6:01
